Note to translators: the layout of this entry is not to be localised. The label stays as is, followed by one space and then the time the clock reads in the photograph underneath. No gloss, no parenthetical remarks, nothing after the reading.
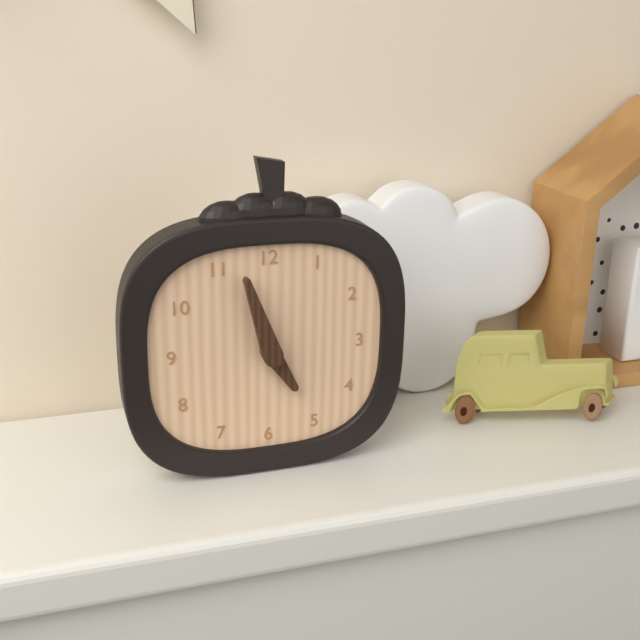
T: 4:57
